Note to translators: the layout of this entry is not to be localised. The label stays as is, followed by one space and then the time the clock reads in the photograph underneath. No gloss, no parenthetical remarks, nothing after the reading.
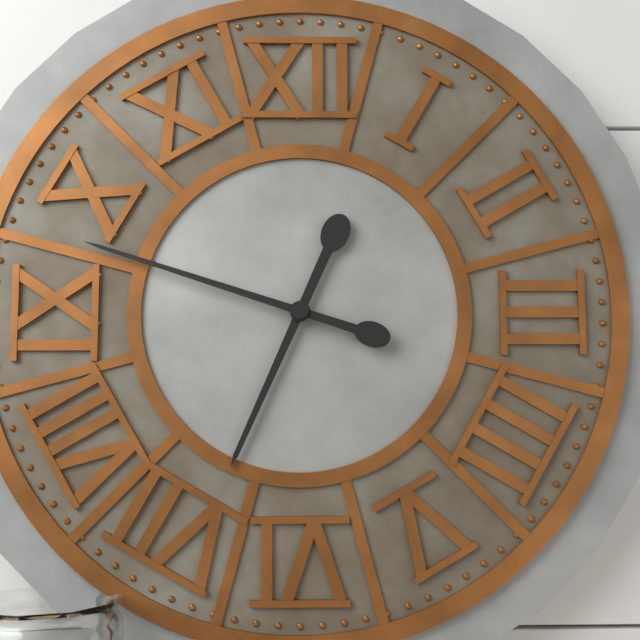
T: 6:48
